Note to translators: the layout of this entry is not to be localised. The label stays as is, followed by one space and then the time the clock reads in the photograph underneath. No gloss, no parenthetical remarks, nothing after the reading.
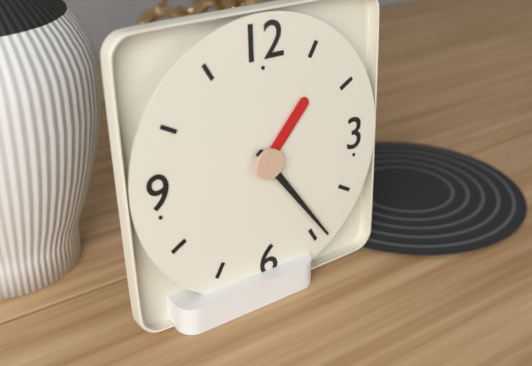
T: 1:24
